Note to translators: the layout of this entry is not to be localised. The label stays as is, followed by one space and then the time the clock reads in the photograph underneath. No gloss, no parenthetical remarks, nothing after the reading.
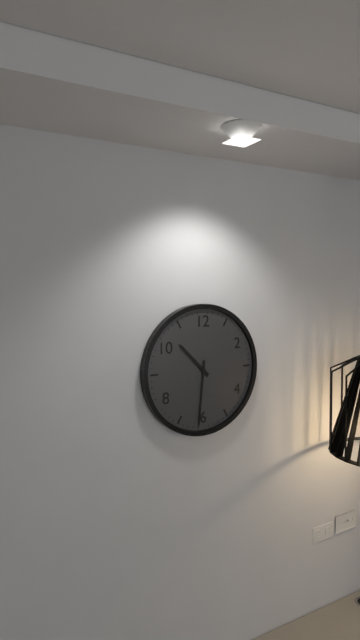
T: 10:31
